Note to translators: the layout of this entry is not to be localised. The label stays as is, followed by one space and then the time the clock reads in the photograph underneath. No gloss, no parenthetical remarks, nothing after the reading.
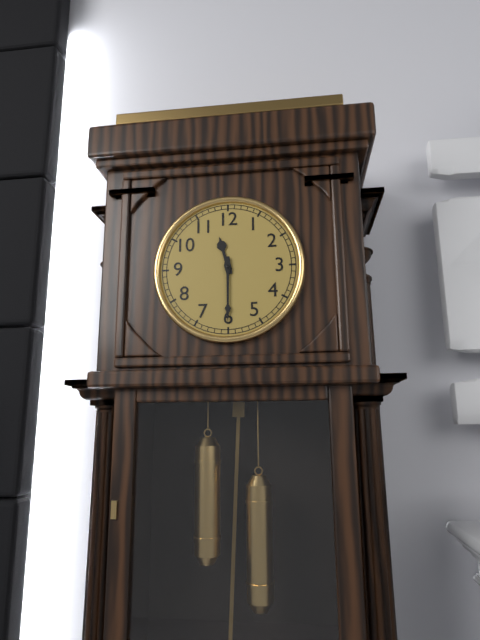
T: 11:30
